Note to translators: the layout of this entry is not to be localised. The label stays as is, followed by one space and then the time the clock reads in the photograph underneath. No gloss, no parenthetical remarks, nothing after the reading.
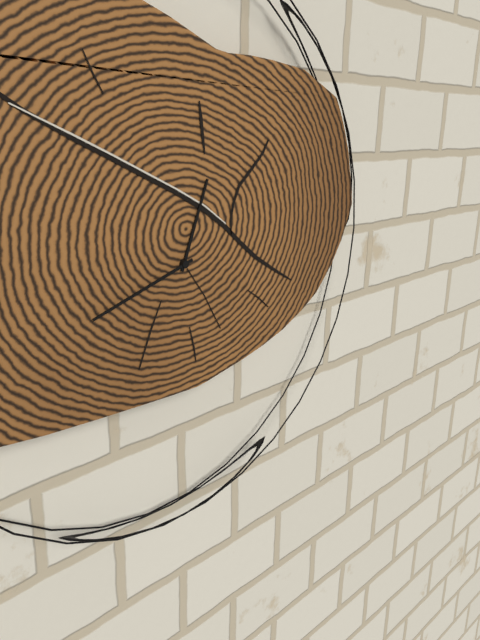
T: 12:42
